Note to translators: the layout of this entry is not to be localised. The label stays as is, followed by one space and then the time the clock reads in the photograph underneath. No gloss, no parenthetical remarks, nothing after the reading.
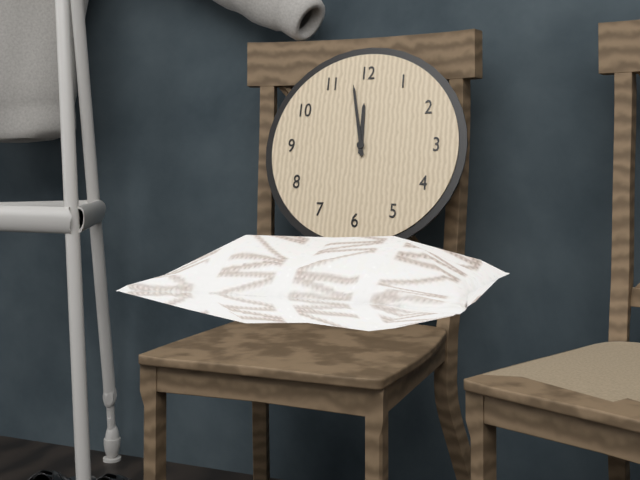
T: 11:58
